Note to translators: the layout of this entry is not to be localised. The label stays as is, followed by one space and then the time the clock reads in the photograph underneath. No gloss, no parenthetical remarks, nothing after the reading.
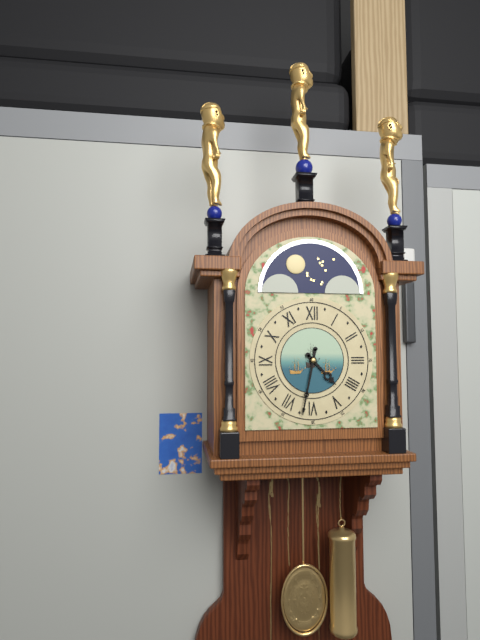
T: 4:32
